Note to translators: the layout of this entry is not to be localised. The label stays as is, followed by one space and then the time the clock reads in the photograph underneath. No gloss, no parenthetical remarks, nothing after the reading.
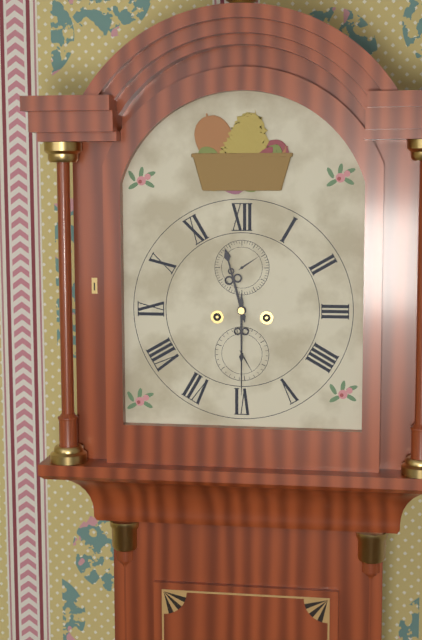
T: 11:30
